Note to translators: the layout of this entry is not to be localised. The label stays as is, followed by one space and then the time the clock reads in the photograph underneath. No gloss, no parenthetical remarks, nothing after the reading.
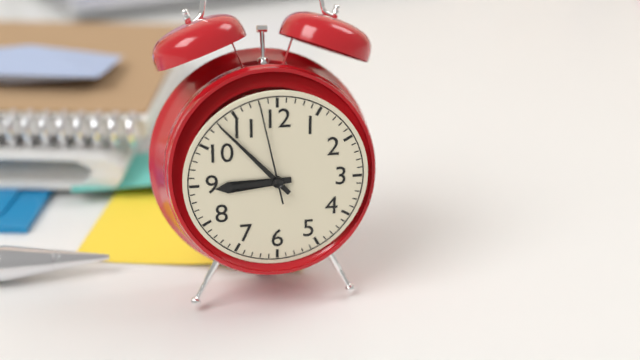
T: 8:53:58
